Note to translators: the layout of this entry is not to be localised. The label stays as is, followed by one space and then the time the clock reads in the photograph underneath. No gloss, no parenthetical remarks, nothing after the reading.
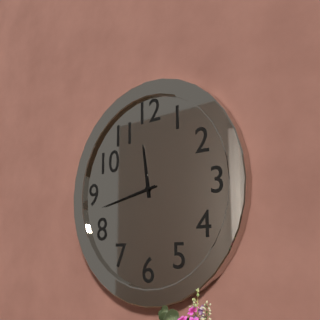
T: 11:43
